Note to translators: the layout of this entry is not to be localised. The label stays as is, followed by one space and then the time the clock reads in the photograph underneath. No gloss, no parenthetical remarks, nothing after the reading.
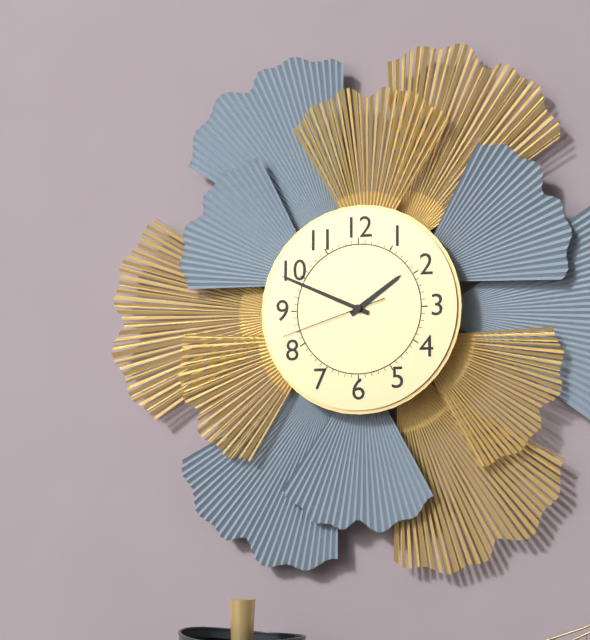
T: 1:49:42
